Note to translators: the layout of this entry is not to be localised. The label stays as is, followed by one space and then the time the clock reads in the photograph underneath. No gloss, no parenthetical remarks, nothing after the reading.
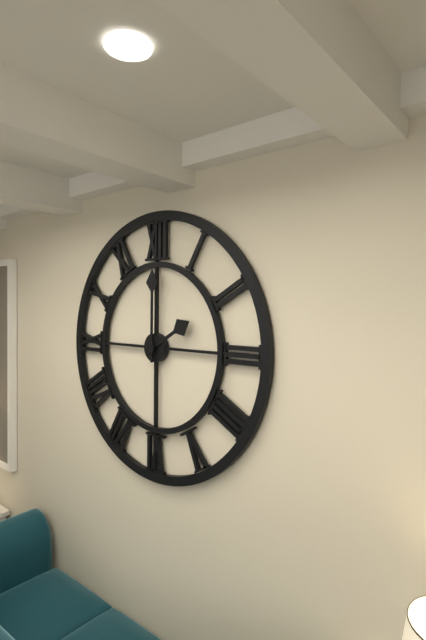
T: 2:00
